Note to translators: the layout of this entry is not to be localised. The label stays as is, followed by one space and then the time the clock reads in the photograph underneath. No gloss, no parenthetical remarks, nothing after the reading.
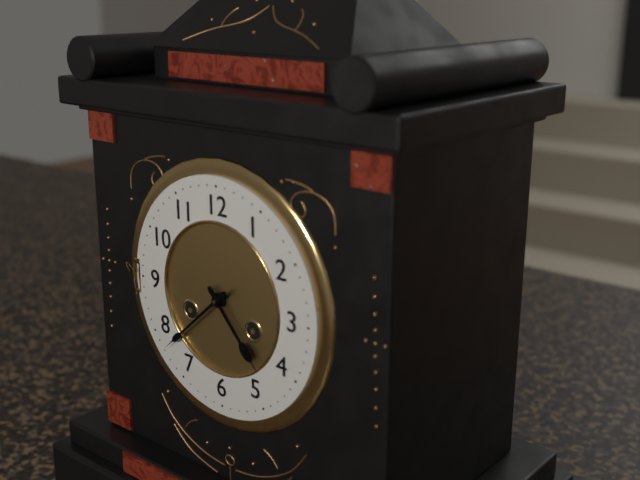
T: 4:38
